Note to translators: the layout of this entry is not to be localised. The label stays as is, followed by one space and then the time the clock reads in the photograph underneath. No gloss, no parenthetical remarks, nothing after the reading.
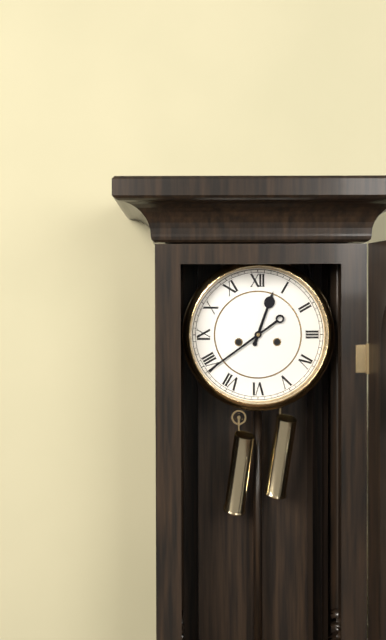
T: 12:39
